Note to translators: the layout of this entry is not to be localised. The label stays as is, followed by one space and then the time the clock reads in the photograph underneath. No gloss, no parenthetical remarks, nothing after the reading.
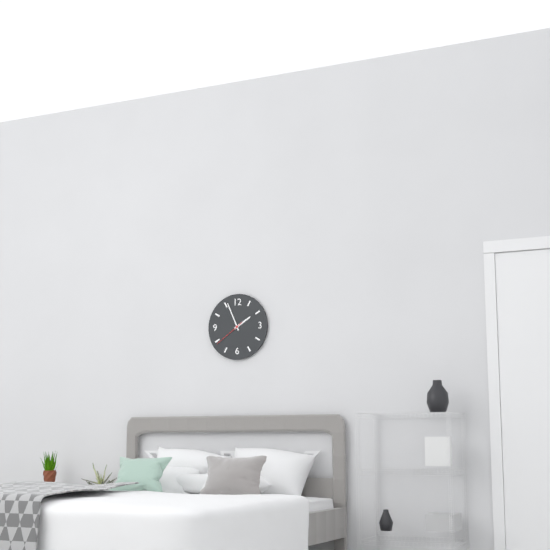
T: 1:56
